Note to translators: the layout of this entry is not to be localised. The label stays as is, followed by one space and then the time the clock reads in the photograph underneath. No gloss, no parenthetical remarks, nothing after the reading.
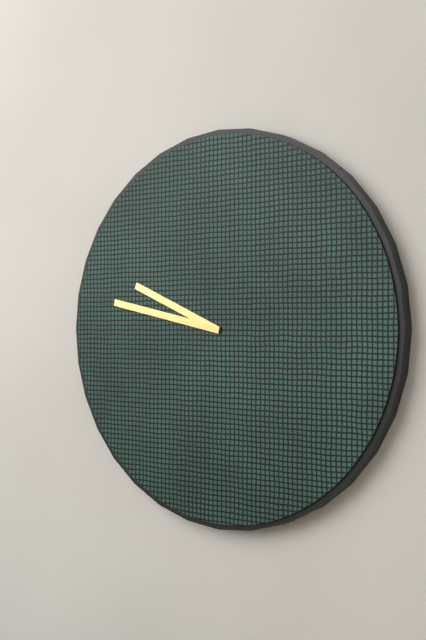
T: 9:47
